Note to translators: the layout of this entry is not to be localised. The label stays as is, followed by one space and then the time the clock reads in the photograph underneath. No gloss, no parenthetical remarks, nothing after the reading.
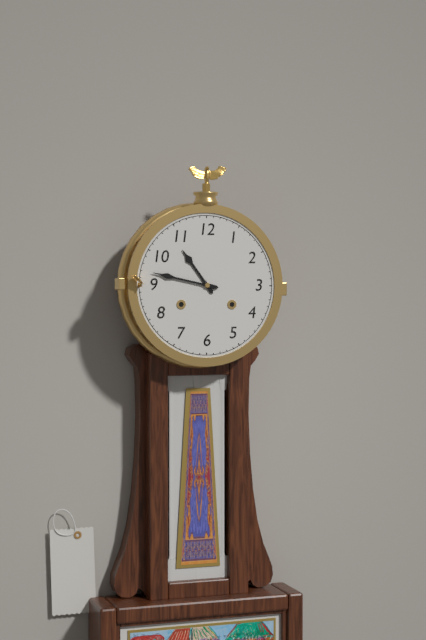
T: 10:47
